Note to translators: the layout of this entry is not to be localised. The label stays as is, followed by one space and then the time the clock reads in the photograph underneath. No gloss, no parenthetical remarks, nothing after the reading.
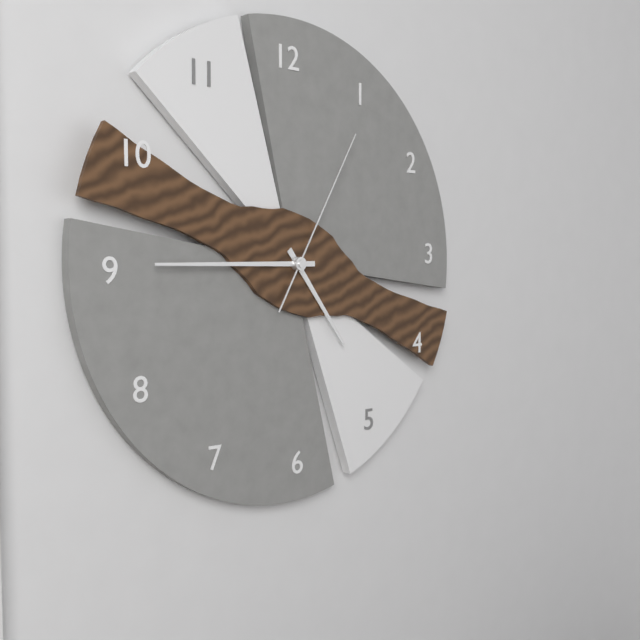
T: 4:45:05
